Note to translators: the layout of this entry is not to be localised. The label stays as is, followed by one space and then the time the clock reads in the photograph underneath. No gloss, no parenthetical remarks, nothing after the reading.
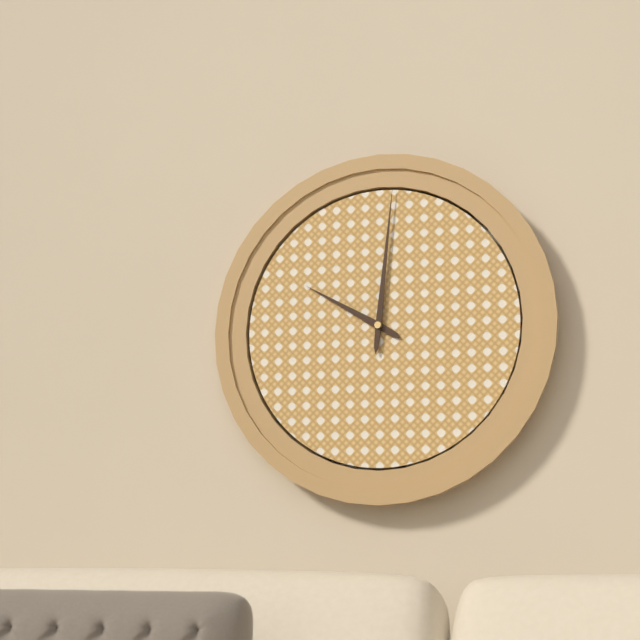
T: 10:01
